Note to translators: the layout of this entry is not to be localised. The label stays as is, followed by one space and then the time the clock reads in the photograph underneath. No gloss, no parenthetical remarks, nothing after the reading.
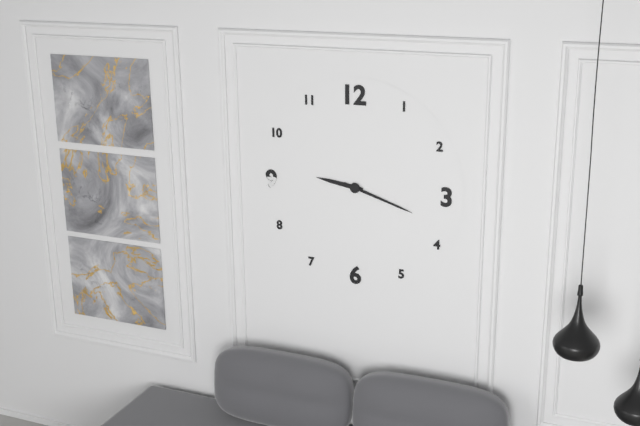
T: 9:18
